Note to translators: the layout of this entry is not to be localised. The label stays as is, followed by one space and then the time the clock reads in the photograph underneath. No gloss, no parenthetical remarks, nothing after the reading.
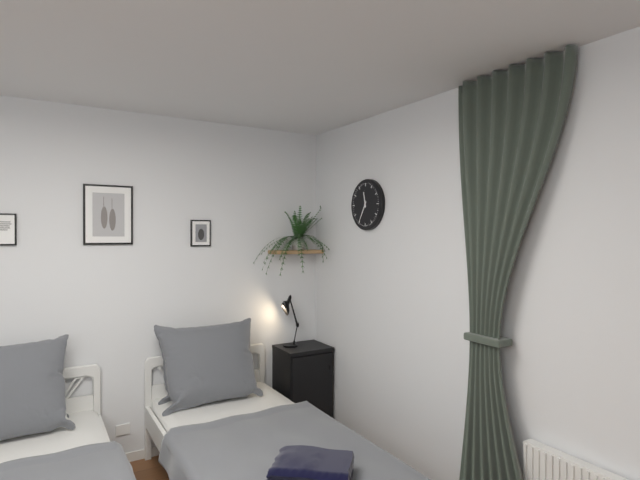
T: 11:35
